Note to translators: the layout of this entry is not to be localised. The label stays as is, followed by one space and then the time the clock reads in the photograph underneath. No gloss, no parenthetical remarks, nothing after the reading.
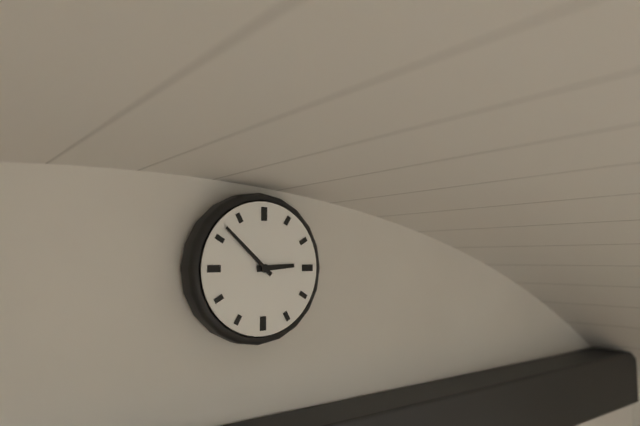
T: 2:52
